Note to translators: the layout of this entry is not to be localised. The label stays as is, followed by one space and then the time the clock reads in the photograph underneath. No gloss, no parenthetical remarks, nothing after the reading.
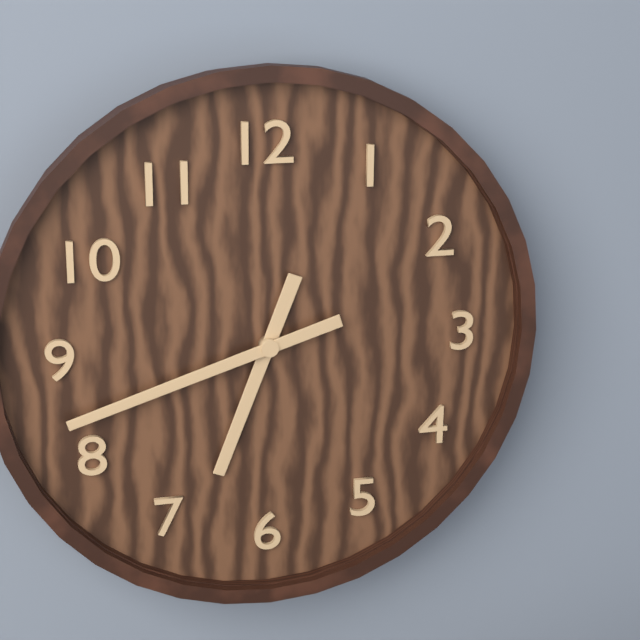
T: 6:42
